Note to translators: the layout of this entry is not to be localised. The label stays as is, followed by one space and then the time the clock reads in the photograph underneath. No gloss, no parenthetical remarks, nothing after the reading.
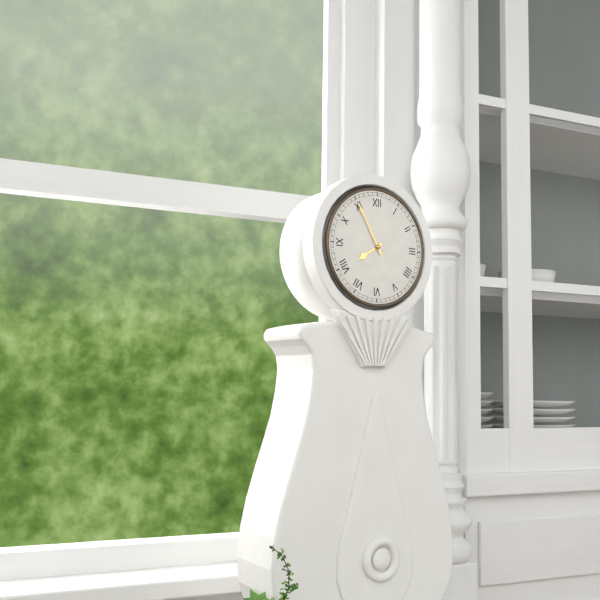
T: 7:55
